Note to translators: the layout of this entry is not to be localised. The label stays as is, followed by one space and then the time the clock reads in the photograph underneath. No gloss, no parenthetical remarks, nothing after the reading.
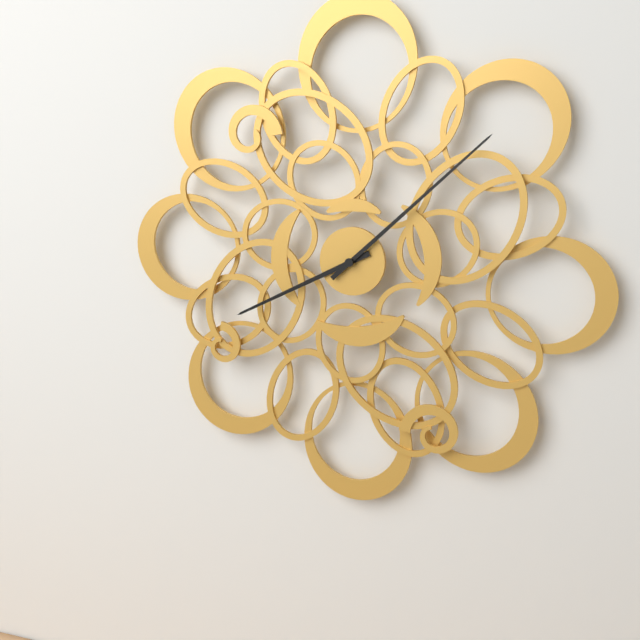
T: 8:08
